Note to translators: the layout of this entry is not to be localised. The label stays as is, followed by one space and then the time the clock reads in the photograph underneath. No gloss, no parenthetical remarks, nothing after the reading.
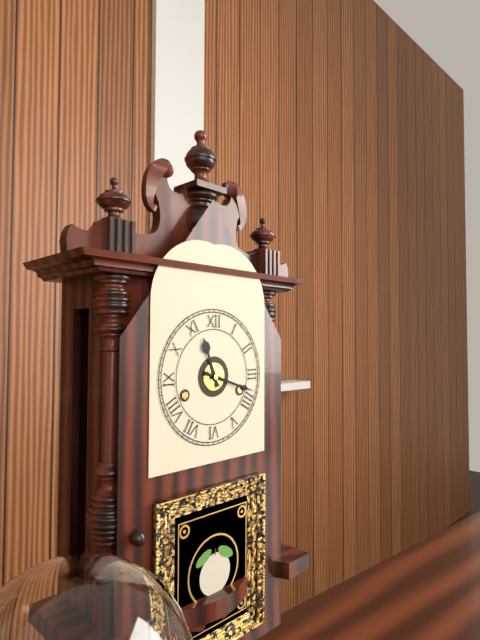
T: 11:18
